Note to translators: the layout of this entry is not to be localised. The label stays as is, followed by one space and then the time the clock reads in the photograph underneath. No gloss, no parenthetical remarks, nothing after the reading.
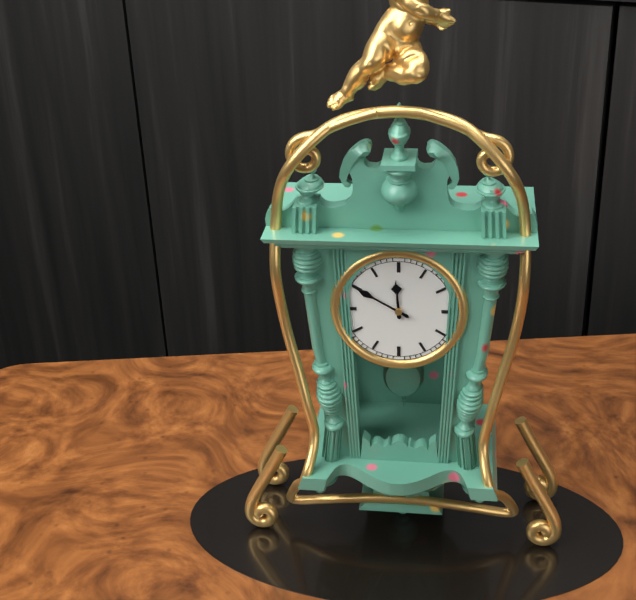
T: 11:50
